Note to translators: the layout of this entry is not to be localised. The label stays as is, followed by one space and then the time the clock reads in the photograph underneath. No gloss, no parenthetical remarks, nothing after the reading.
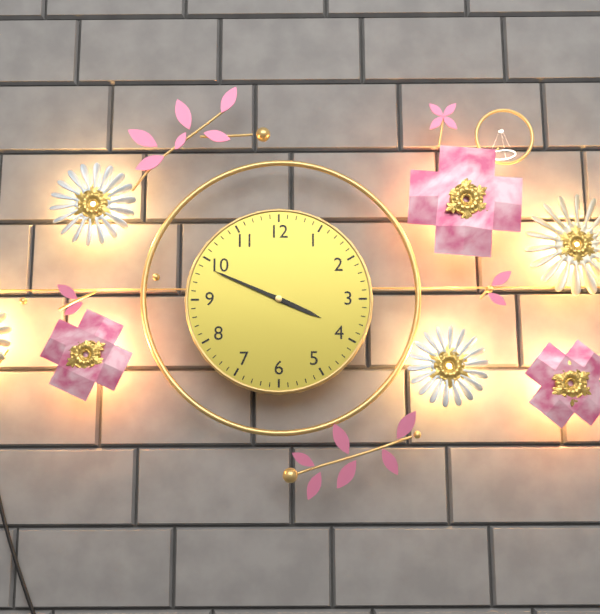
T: 3:49
